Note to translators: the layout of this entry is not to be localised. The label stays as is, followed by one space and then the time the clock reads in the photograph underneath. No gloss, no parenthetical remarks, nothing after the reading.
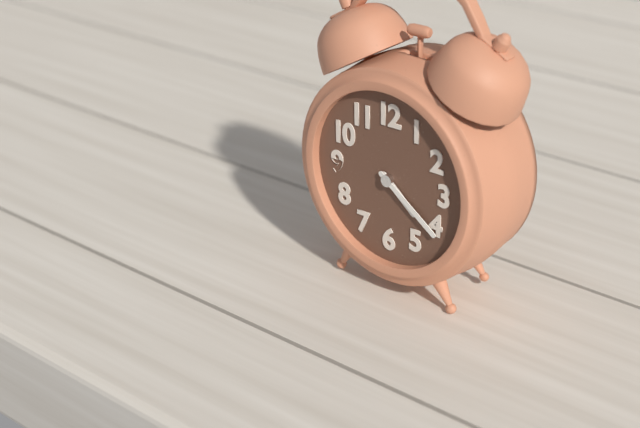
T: 4:21
